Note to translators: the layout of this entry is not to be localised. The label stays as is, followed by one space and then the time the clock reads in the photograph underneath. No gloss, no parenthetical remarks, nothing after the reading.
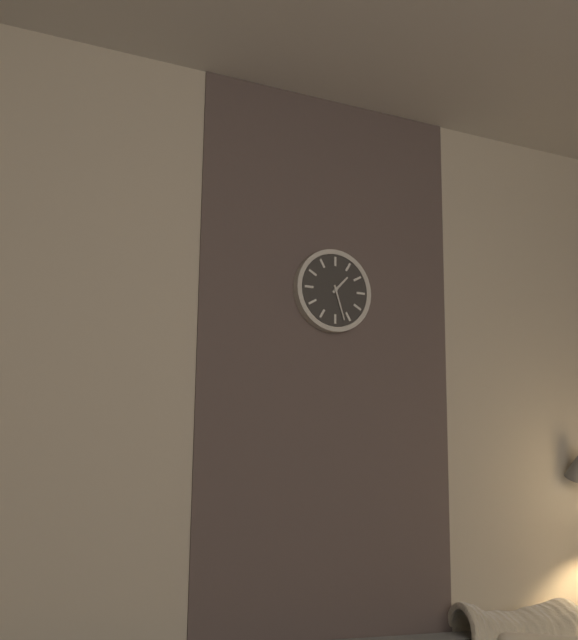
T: 1:27
